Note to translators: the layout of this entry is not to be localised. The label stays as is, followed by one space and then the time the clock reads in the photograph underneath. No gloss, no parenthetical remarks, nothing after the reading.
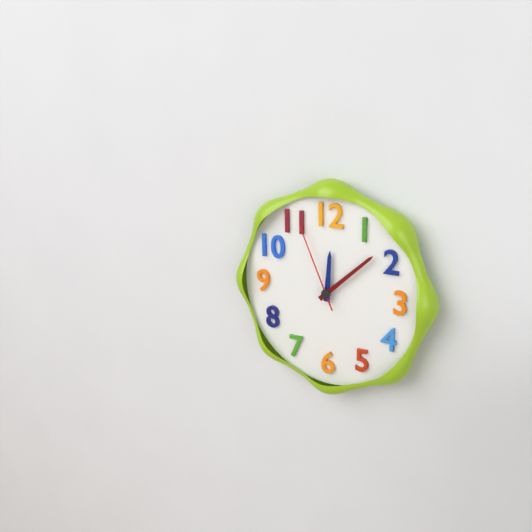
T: 12:08:56
